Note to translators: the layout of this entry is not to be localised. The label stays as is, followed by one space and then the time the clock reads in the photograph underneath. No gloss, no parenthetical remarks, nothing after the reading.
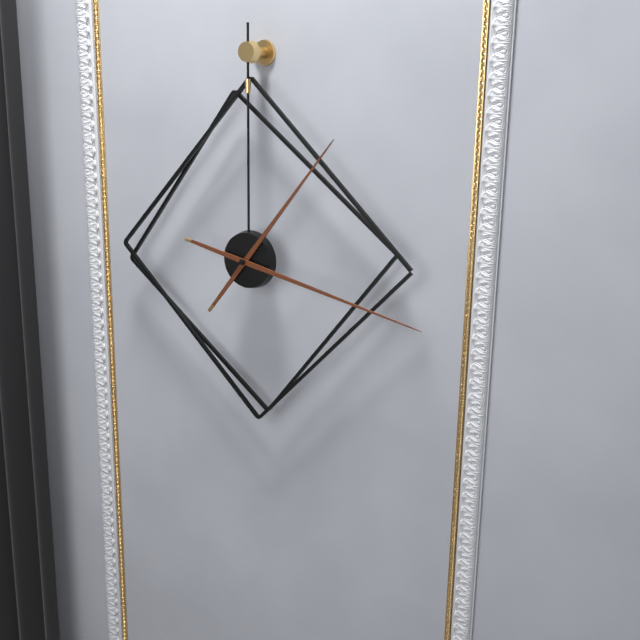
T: 1:17
